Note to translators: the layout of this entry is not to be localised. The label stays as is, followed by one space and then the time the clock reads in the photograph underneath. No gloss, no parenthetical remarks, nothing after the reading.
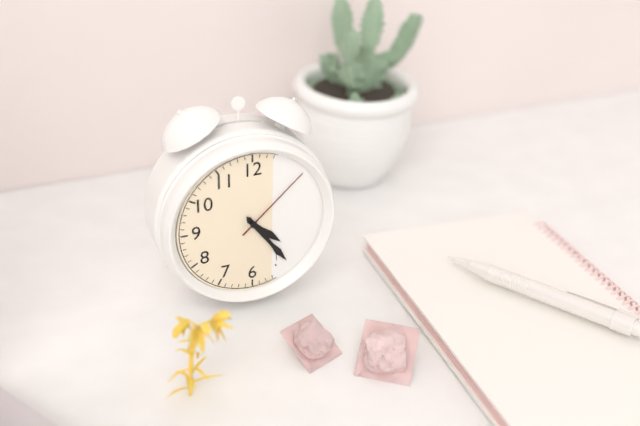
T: 4:24:08
